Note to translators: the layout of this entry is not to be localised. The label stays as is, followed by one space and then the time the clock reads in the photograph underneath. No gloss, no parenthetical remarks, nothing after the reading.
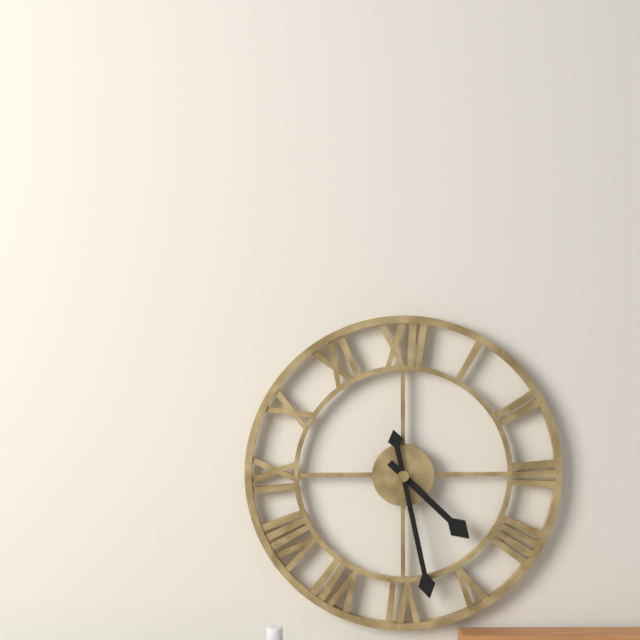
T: 4:28
